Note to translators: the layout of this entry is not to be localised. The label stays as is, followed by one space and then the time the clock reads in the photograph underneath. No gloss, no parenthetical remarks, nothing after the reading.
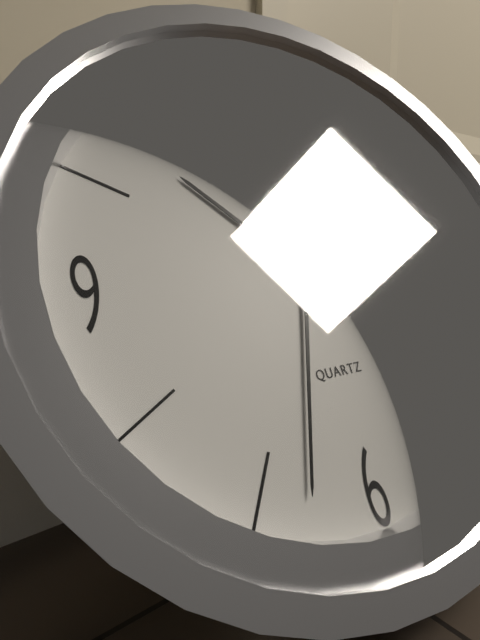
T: 10:33
